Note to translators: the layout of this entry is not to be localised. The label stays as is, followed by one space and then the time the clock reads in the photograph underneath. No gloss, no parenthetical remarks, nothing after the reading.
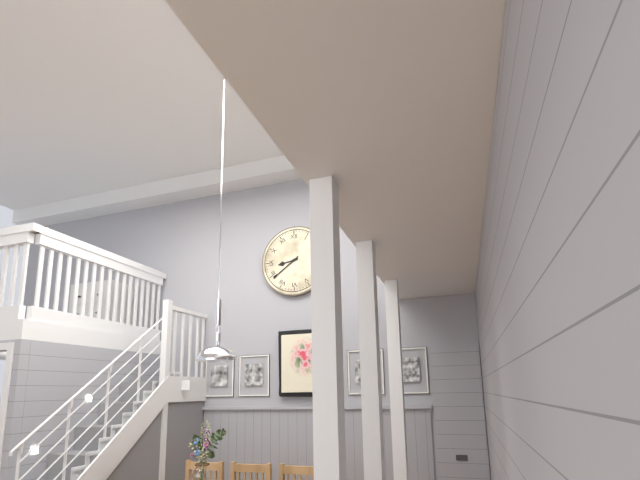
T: 8:39
